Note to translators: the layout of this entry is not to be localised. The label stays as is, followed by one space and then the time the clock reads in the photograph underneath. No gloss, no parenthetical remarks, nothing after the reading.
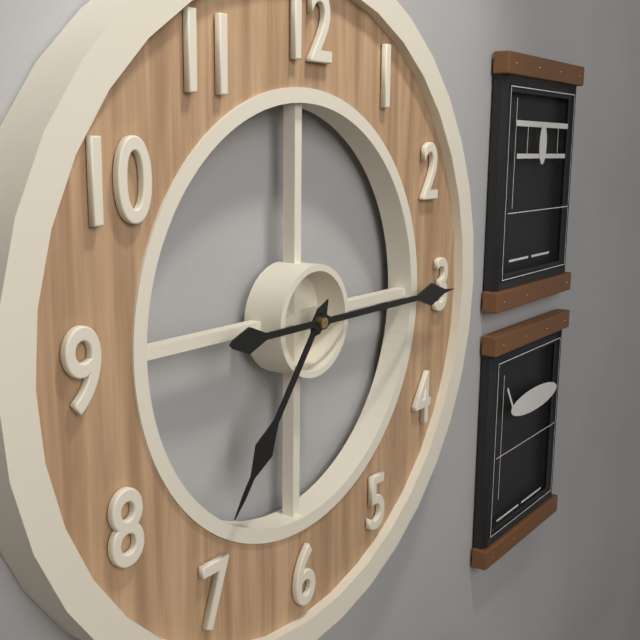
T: 7:15
